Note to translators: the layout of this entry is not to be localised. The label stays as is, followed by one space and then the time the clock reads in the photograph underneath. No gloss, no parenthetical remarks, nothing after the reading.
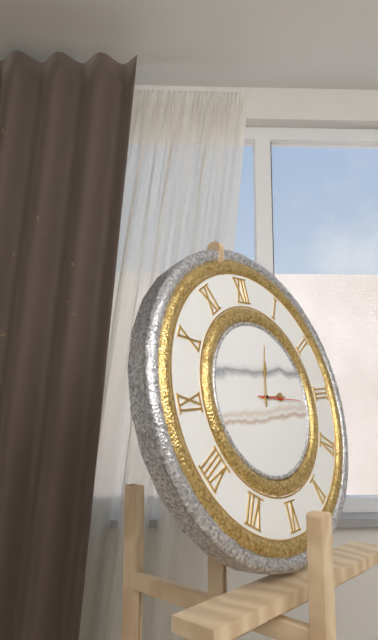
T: 3:03
